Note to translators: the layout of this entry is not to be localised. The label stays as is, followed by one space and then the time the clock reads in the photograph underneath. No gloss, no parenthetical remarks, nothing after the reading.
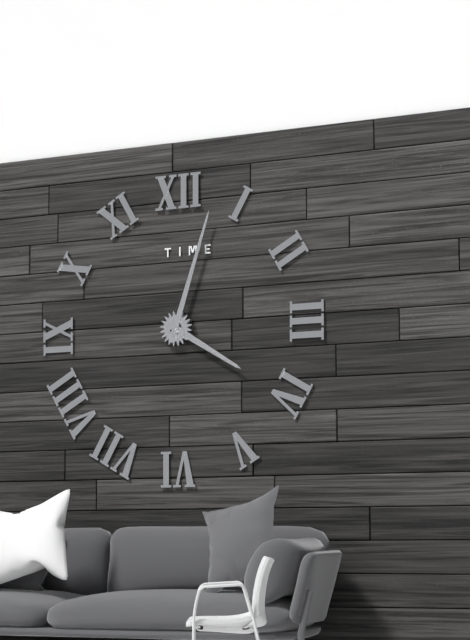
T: 4:03
